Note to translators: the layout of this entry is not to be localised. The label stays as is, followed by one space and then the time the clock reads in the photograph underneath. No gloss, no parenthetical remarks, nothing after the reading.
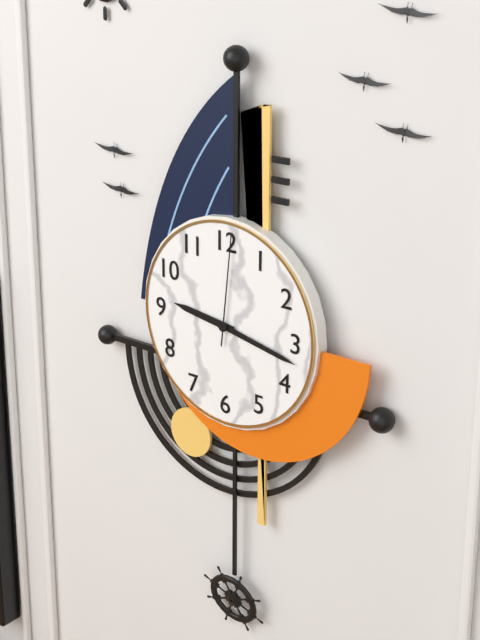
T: 9:17:01
